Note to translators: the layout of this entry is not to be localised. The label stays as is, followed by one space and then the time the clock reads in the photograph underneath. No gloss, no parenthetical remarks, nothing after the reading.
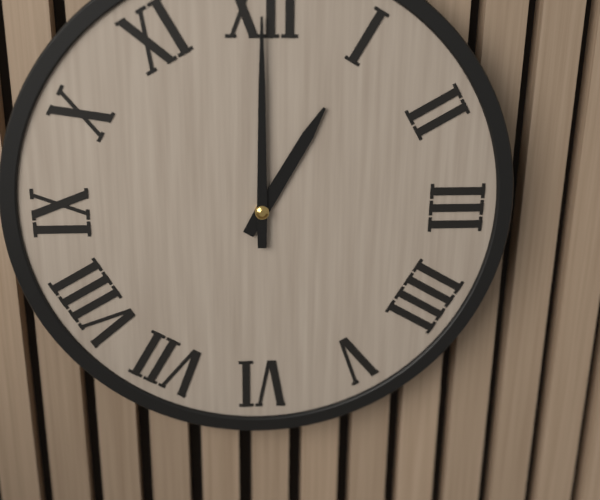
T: 1:00
